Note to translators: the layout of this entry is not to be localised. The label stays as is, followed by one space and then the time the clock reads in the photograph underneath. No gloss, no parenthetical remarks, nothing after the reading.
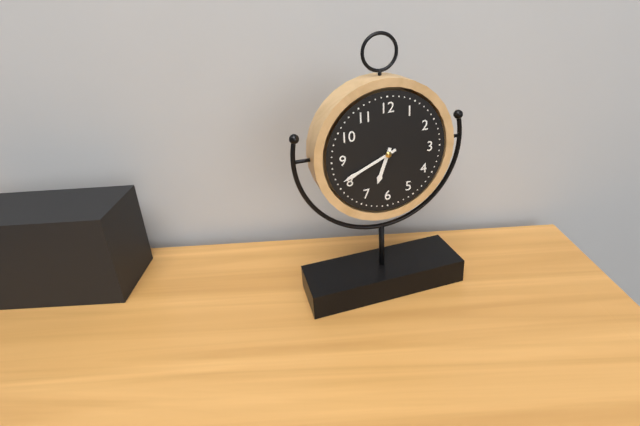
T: 6:41
